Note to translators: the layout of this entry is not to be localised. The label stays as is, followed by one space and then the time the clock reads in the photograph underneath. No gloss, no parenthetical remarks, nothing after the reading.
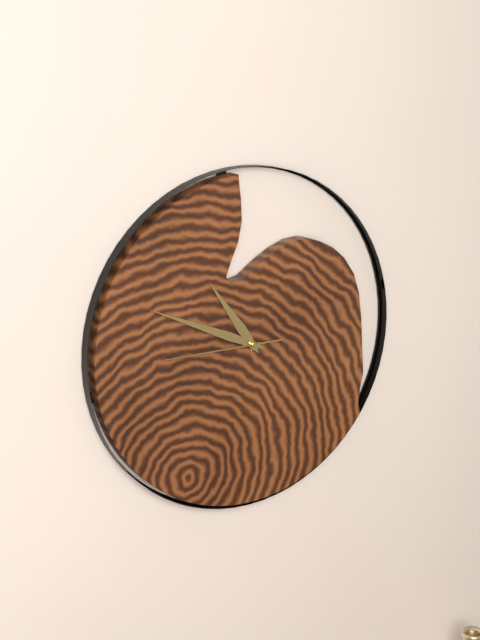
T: 10:49:45
